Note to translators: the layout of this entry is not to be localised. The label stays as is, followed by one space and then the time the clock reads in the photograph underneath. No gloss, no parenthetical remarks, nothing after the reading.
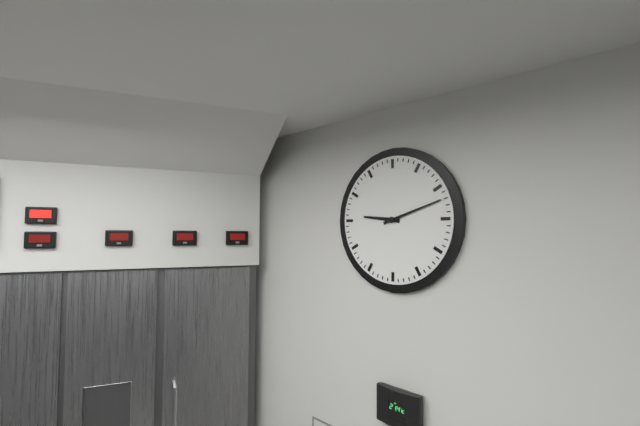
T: 9:12
